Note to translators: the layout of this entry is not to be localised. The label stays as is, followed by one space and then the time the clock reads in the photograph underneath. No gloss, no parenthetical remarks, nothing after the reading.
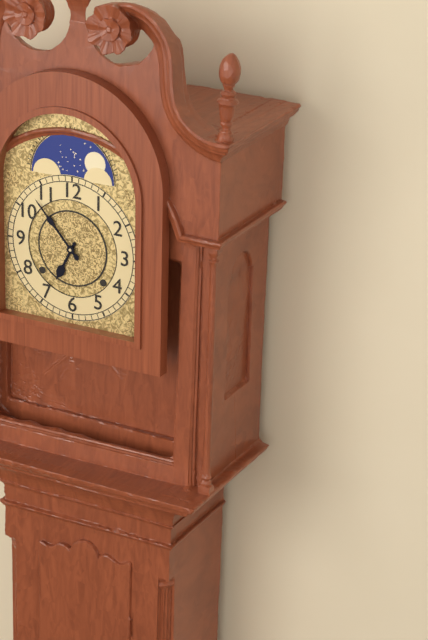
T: 6:53
